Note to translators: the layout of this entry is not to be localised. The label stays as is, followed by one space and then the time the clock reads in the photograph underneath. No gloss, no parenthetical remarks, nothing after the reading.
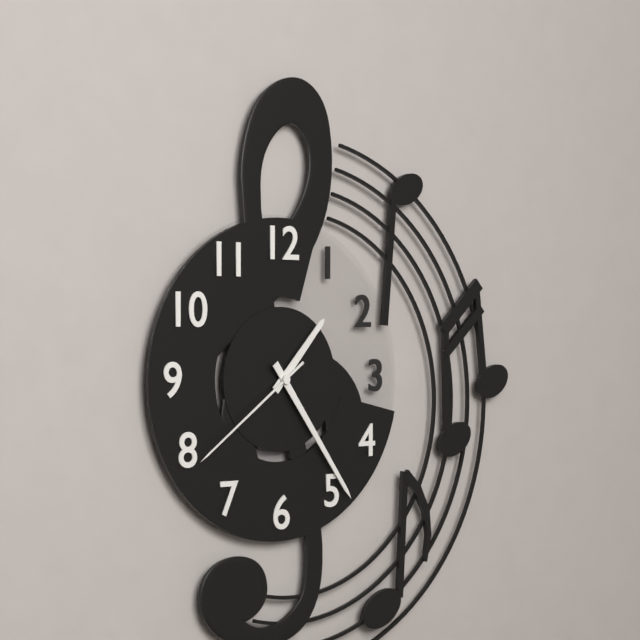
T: 1:24:39
